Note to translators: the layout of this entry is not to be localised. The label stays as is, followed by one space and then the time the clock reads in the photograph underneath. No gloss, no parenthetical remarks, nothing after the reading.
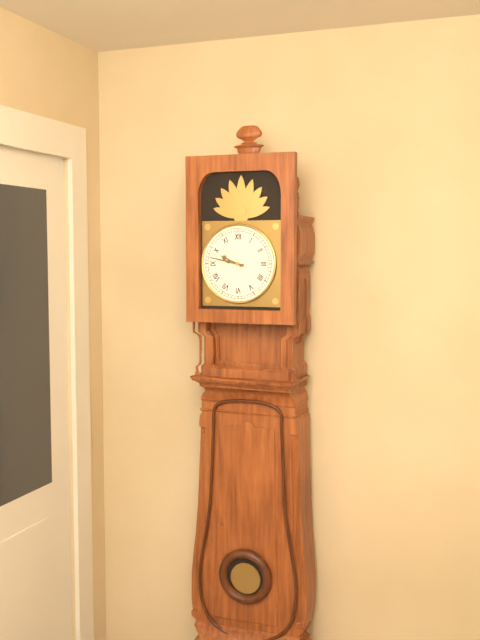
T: 9:47
